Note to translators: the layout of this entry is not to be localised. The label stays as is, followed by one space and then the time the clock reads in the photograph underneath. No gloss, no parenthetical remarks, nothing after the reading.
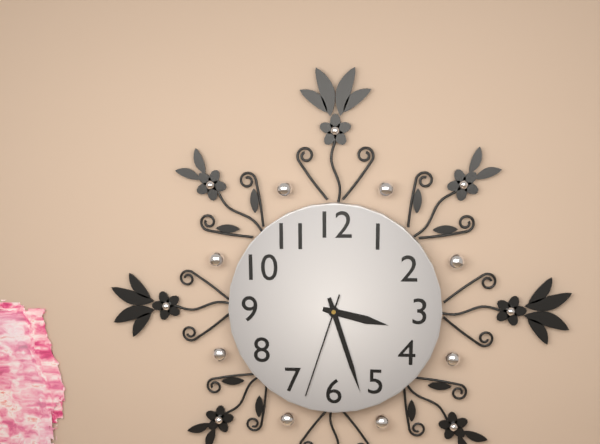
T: 3:27:33
